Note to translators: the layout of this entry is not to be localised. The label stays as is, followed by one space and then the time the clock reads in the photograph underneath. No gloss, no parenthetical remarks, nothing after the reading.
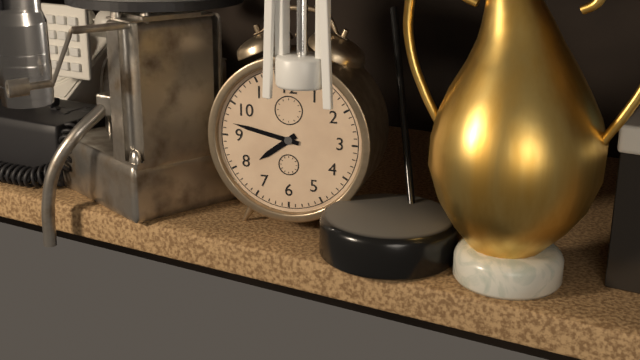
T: 7:47
